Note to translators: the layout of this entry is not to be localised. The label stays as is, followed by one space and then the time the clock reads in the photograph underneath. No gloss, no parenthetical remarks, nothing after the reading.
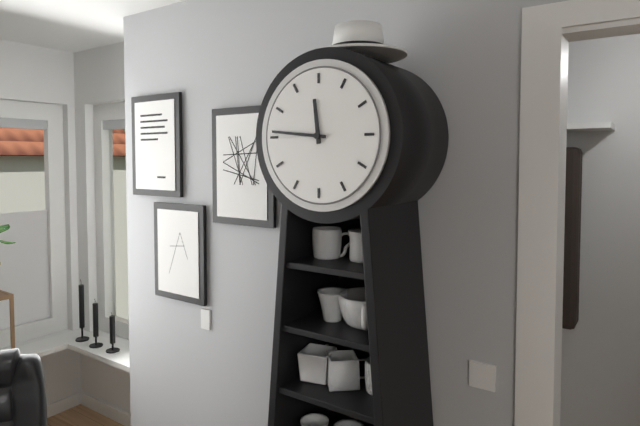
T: 11:46
